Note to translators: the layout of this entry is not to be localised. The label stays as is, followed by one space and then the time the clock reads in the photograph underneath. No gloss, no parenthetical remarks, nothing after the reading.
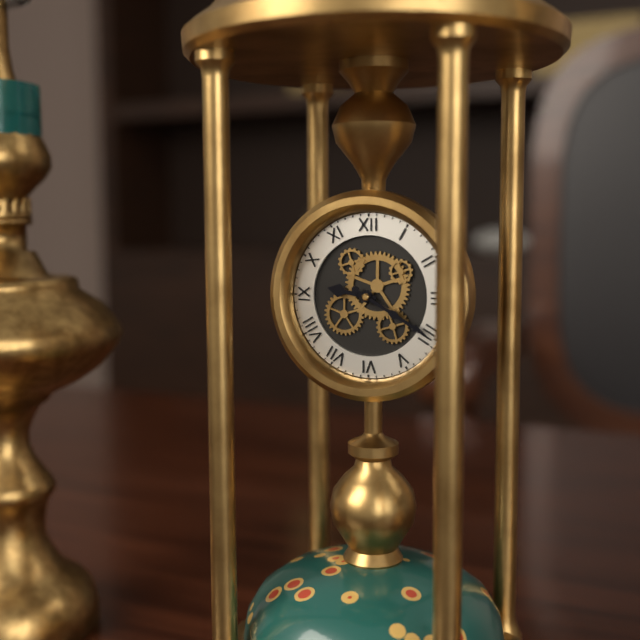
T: 9:20
